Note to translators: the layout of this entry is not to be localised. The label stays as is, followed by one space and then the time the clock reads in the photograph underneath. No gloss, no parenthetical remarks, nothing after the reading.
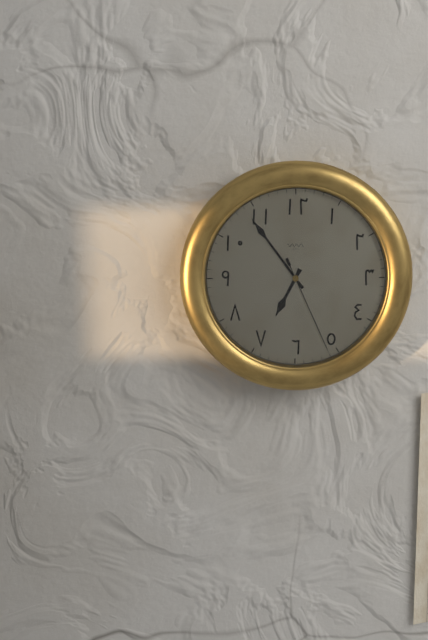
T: 6:54:26
